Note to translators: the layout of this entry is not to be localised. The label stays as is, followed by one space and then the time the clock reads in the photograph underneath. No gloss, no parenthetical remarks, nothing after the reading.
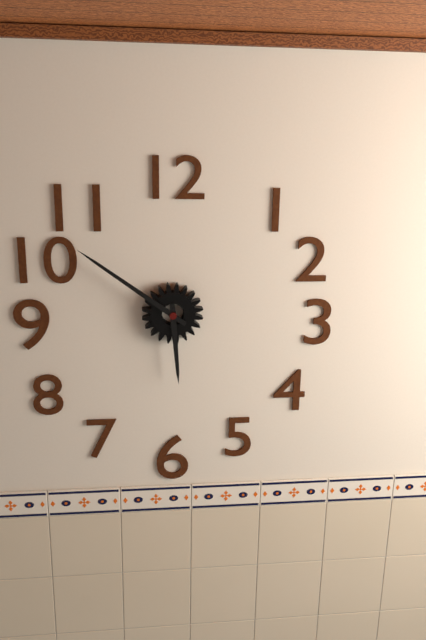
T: 5:51
